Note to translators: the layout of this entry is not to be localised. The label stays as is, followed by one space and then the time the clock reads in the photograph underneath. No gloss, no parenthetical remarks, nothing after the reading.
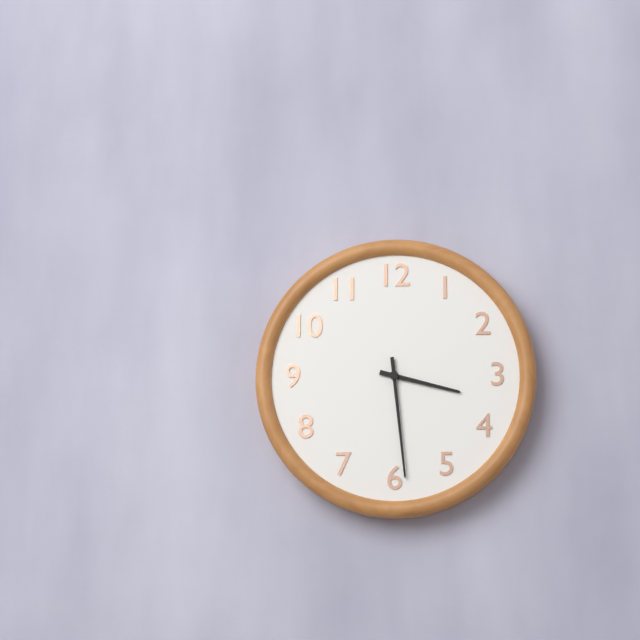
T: 3:29
